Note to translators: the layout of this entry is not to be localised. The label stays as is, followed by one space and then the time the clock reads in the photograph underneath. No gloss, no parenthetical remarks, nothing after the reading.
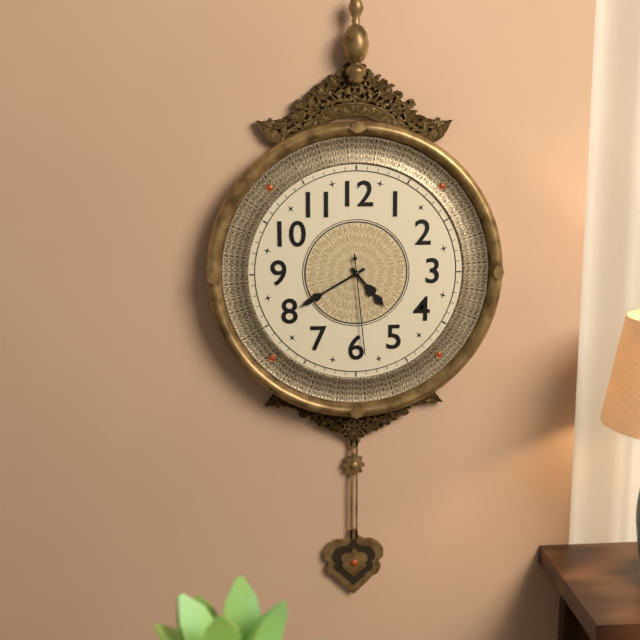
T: 4:40:29
